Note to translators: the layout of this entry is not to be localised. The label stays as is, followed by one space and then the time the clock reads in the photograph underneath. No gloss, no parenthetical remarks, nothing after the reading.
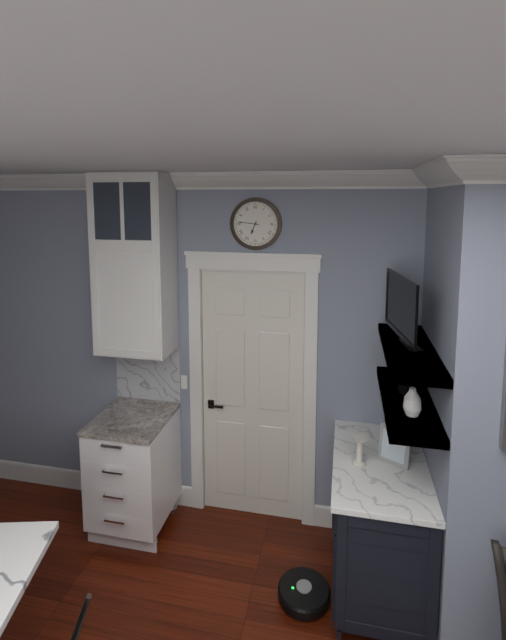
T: 6:46
